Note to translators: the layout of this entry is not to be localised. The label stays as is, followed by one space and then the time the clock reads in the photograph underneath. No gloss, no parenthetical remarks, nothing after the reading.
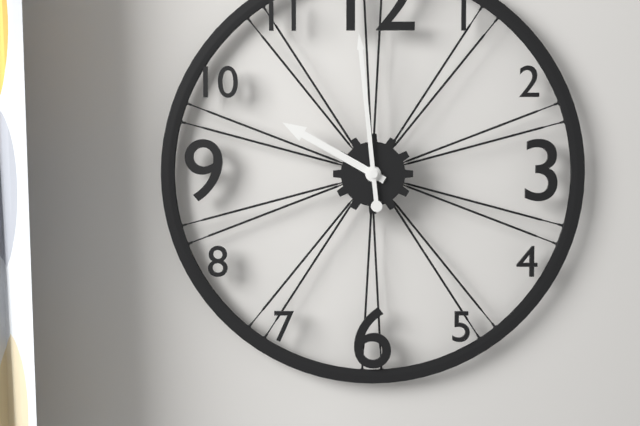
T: 9:59
